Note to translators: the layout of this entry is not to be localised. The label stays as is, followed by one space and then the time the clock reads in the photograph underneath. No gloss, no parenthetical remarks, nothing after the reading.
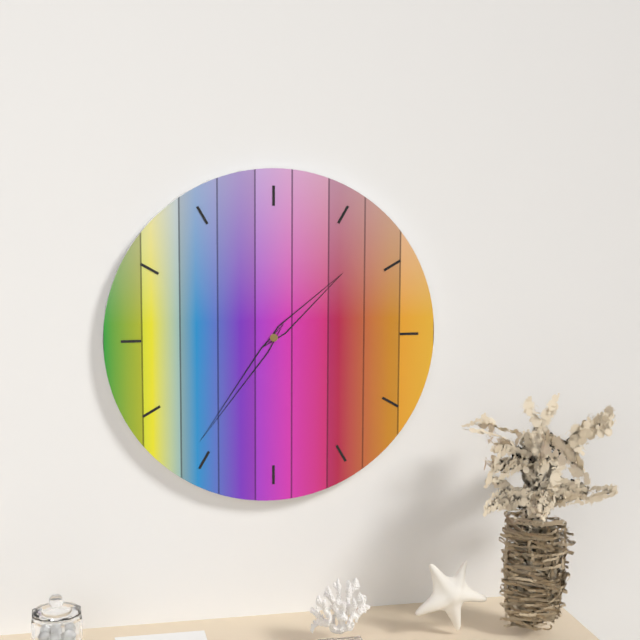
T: 1:36
